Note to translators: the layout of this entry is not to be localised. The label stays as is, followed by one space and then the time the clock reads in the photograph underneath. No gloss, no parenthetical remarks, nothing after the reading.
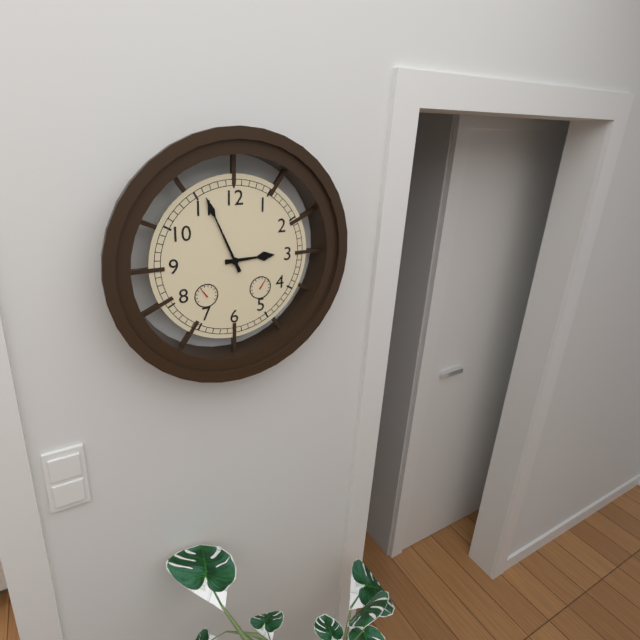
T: 2:56
